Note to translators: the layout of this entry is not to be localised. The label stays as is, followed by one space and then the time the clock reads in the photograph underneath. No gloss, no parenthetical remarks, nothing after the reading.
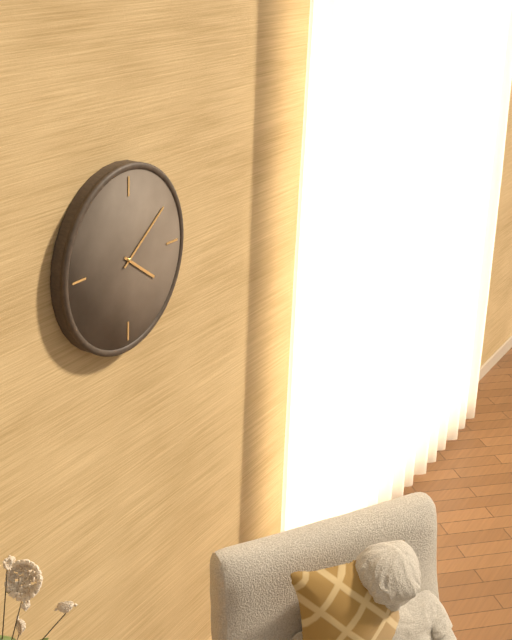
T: 4:09
